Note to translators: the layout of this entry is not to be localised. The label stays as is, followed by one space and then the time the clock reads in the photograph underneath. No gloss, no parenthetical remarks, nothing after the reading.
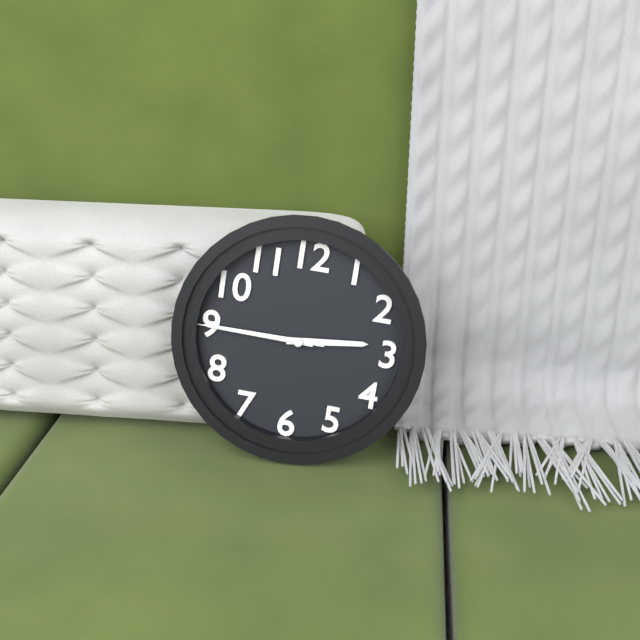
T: 2:45:45
